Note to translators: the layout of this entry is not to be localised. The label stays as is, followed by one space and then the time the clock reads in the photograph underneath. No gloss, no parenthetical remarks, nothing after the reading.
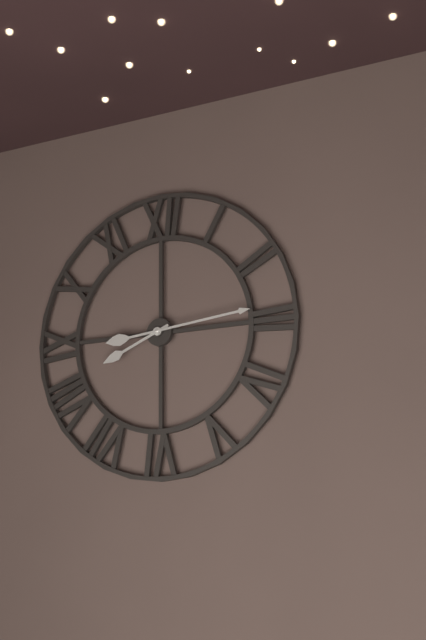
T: 8:14
